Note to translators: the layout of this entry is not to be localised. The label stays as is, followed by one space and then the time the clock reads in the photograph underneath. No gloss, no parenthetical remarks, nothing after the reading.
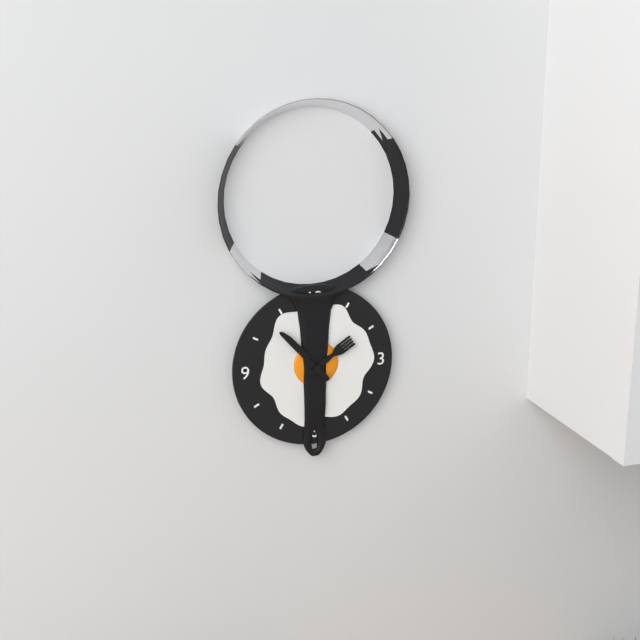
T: 1:53
